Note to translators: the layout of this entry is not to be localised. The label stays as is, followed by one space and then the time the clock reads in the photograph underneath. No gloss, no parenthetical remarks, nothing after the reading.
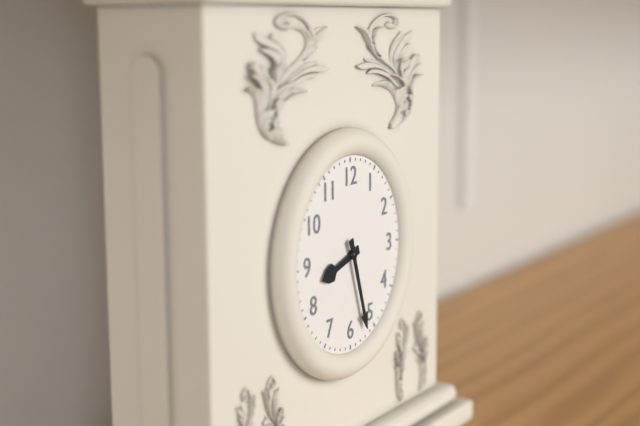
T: 8:27
